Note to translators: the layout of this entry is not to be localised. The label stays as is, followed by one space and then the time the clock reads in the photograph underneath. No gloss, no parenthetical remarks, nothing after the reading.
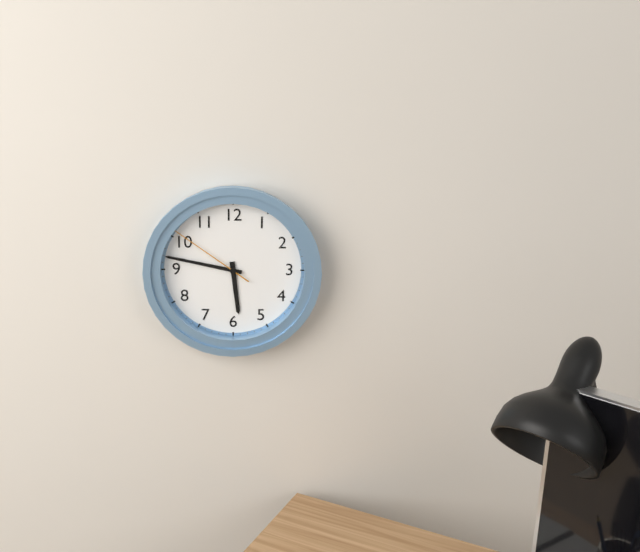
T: 5:47:51
